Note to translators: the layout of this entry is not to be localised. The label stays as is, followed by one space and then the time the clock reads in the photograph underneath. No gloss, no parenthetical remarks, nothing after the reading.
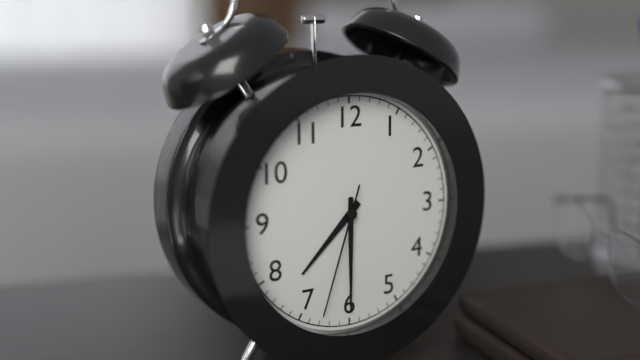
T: 7:30:33
